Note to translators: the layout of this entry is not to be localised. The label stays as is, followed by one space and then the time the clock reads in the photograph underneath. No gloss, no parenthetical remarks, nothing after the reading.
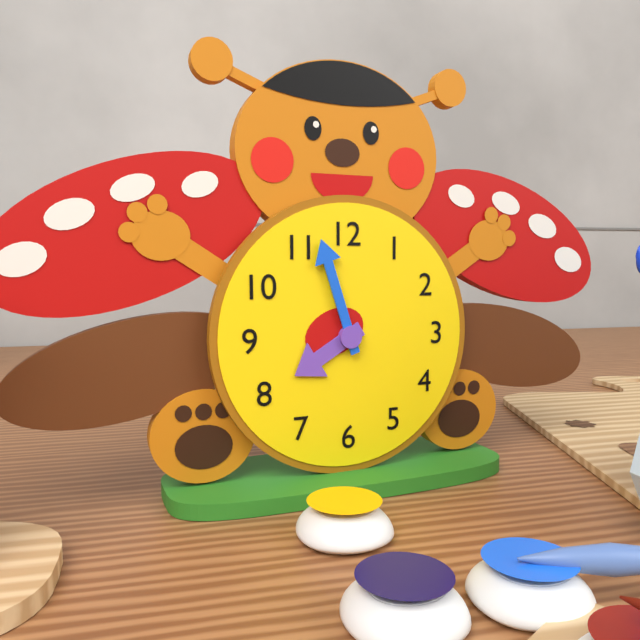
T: 7:57
